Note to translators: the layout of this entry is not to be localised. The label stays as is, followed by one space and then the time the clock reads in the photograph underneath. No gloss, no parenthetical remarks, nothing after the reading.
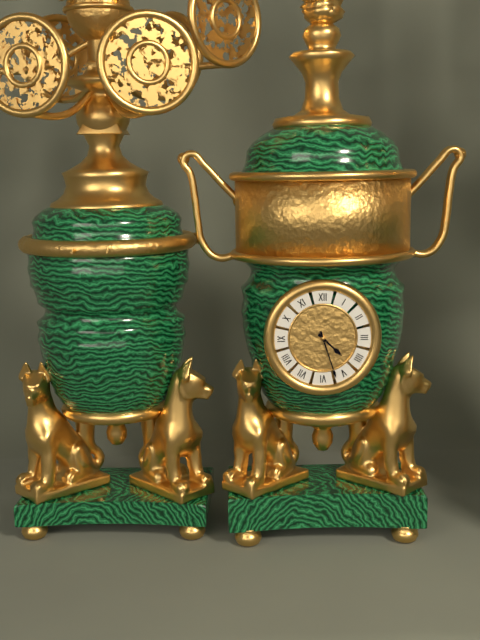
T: 4:27
